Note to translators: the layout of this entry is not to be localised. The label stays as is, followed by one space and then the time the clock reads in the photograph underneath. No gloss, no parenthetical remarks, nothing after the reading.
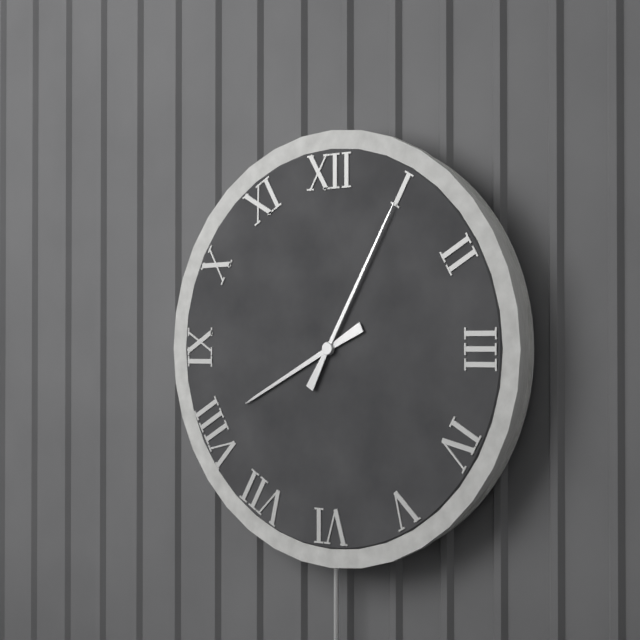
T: 8:05
